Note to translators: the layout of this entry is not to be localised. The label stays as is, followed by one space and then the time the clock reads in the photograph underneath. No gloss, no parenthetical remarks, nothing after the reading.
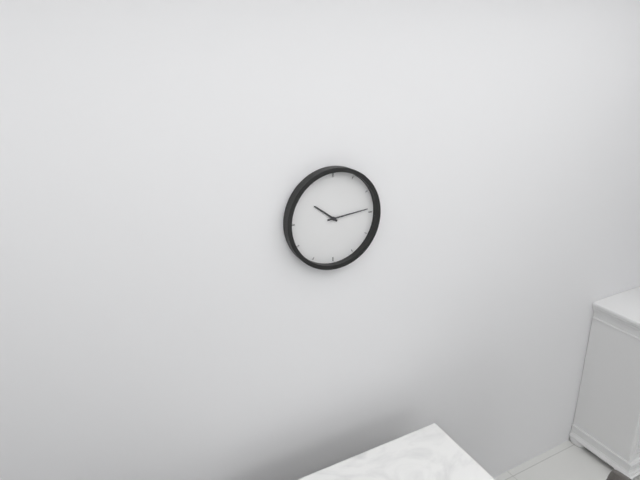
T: 10:14
